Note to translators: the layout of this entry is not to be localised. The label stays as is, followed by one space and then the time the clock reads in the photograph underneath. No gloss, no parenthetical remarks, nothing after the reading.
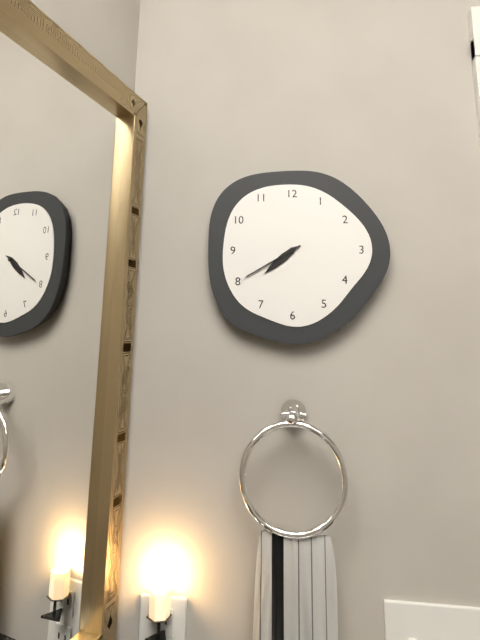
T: 7:40
